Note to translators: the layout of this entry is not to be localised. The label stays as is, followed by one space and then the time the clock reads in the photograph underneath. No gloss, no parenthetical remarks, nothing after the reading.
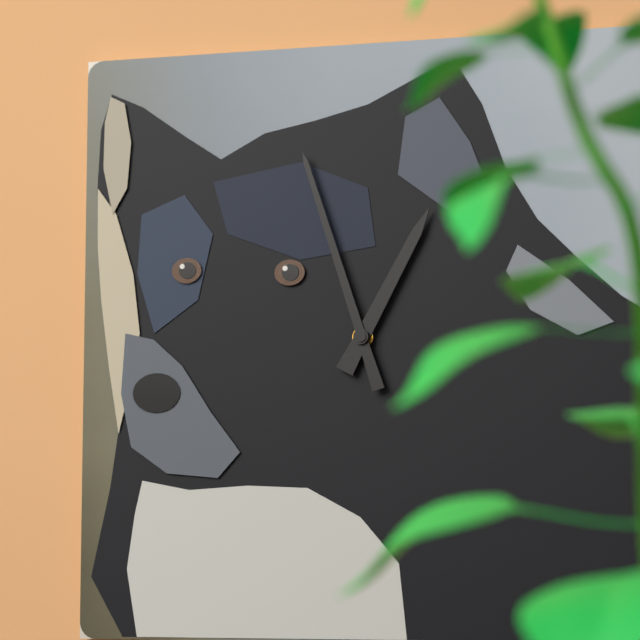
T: 12:57
